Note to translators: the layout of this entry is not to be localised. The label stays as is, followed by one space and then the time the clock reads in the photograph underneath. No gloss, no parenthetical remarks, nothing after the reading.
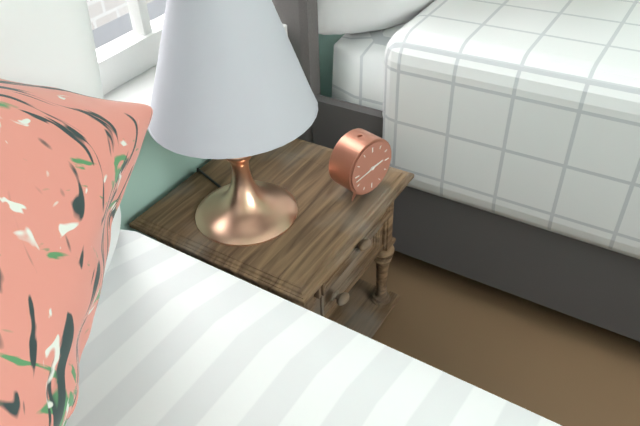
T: 2:43
